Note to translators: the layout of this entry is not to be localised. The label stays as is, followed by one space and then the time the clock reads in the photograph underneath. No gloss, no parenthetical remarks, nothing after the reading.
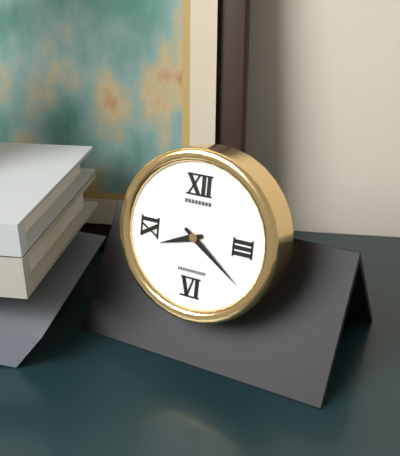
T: 8:21
